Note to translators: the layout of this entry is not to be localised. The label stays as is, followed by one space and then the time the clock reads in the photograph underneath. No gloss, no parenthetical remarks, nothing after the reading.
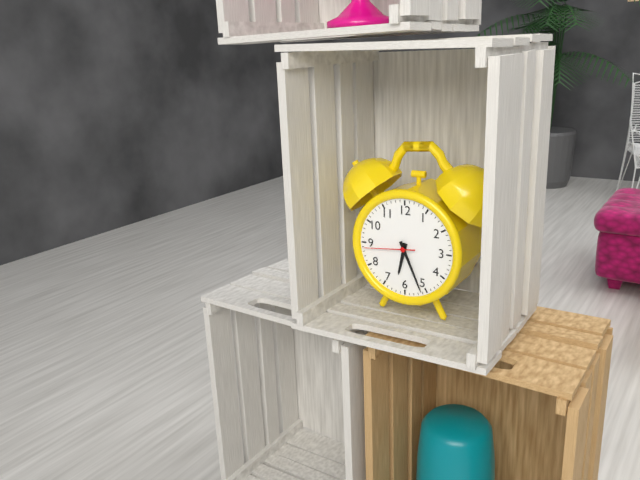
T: 6:26:44
